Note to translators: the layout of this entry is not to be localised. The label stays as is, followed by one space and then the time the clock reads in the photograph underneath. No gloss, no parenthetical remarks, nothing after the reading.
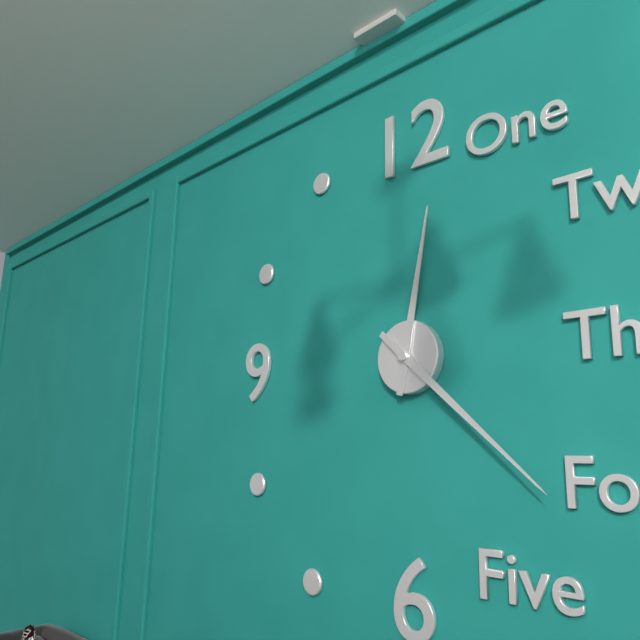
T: 12:22
